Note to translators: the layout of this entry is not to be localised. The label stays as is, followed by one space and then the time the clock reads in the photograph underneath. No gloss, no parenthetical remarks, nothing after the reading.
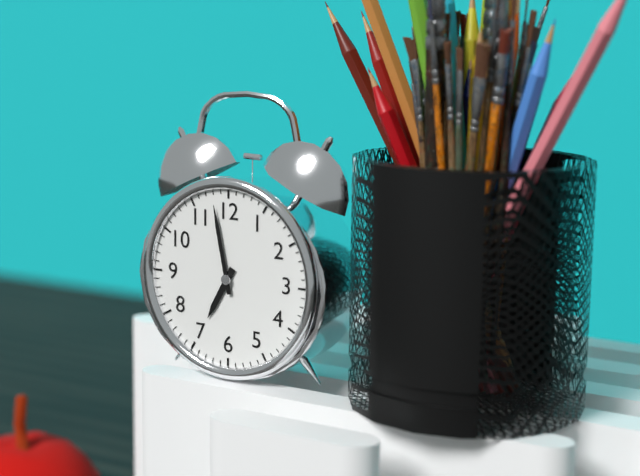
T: 6:58
